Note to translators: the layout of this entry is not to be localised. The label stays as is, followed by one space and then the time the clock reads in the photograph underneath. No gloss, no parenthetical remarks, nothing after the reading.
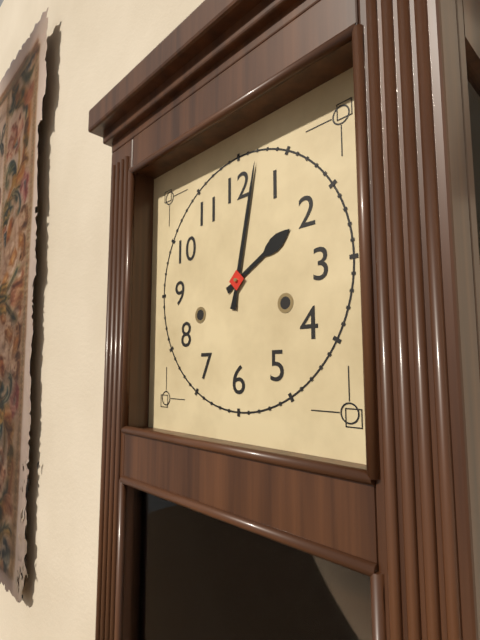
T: 2:02
